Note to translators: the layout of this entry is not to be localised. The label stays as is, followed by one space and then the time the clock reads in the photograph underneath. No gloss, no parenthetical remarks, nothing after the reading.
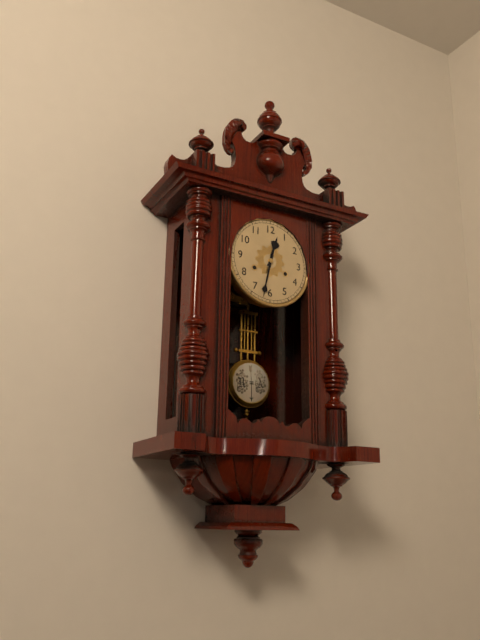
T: 12:32
